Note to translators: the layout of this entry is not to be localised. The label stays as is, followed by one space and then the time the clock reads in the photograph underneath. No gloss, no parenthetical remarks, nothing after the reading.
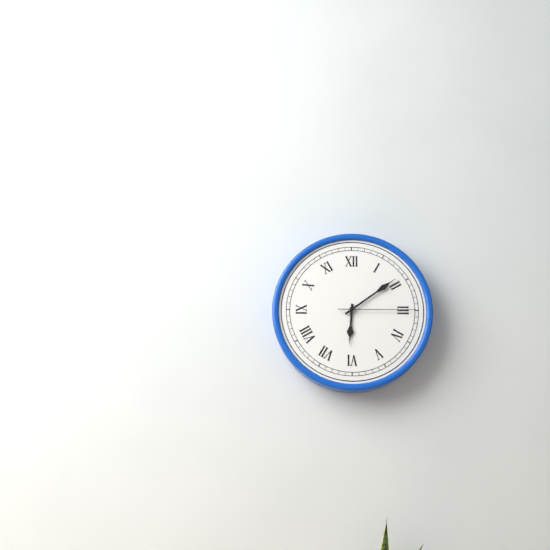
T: 6:09:15
